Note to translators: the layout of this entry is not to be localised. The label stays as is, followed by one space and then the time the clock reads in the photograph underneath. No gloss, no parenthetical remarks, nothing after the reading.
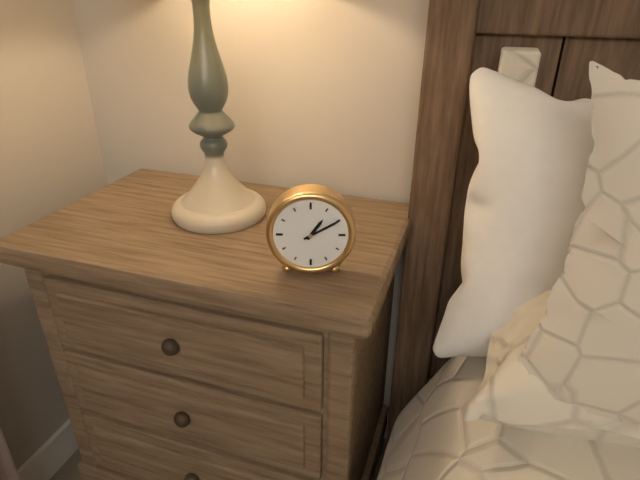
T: 1:10
